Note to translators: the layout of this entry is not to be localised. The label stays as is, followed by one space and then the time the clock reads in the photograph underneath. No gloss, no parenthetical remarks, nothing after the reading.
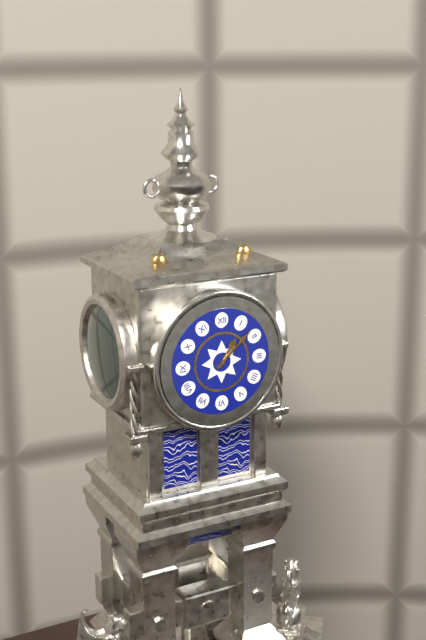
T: 1:08
